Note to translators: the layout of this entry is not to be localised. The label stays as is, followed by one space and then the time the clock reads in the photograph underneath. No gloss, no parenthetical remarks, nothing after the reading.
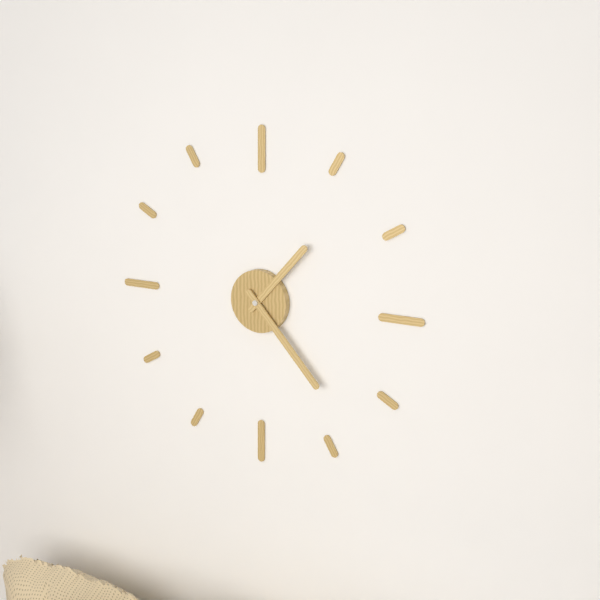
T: 1:23
